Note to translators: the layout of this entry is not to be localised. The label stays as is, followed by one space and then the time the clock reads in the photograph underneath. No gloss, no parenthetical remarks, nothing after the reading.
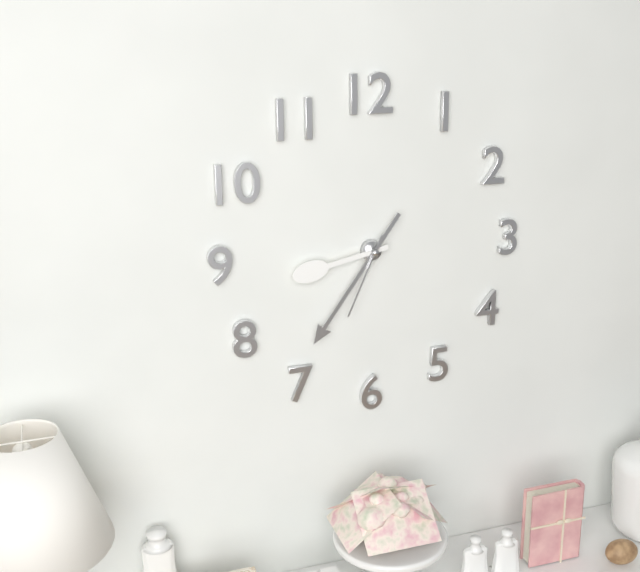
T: 8:36:34
